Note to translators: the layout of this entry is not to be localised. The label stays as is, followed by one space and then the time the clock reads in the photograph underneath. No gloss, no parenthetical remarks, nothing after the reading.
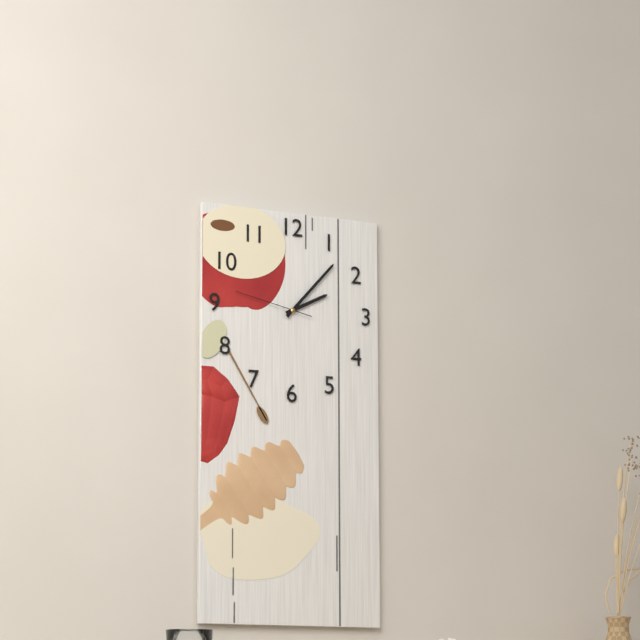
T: 2:07:47
